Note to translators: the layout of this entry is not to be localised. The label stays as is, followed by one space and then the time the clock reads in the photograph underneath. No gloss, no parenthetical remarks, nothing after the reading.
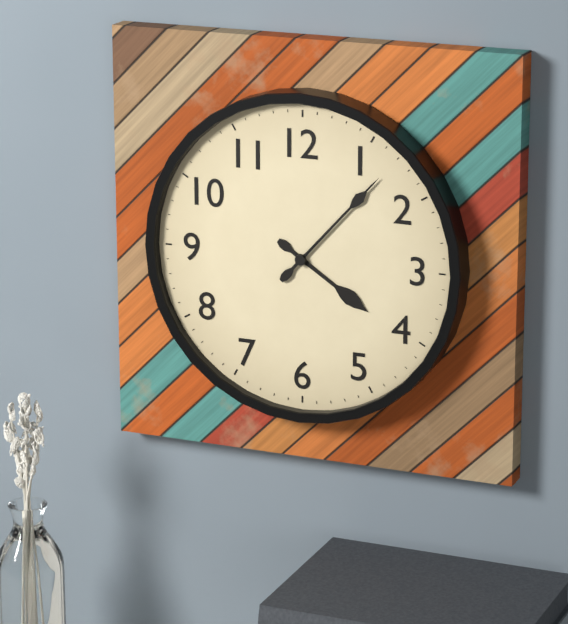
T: 4:07
